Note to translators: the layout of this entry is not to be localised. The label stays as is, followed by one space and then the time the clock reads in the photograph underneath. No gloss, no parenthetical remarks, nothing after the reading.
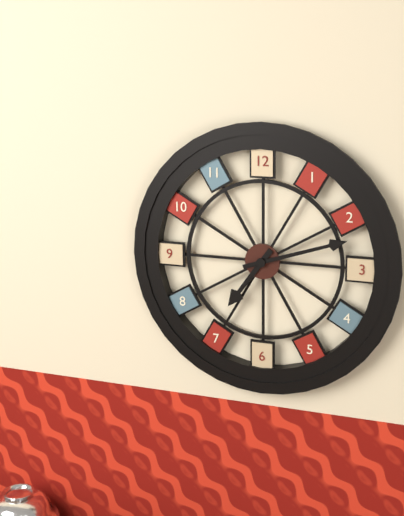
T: 7:12
